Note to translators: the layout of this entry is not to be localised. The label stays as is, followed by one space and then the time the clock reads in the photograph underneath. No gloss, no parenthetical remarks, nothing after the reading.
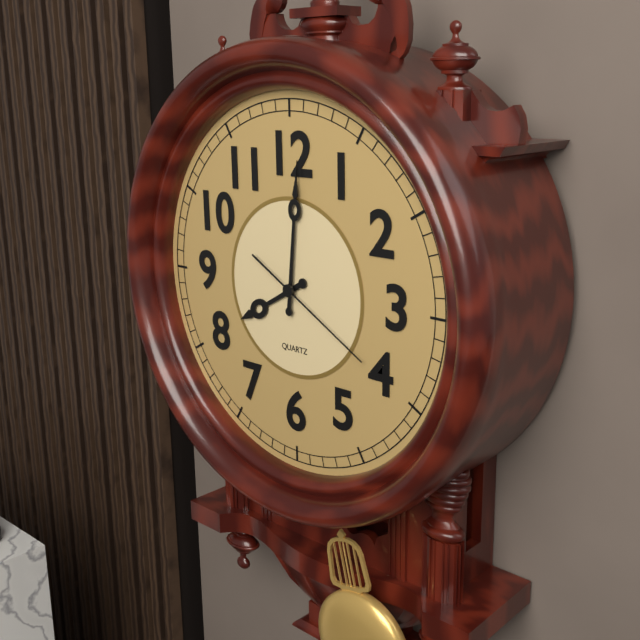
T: 8:01:20
